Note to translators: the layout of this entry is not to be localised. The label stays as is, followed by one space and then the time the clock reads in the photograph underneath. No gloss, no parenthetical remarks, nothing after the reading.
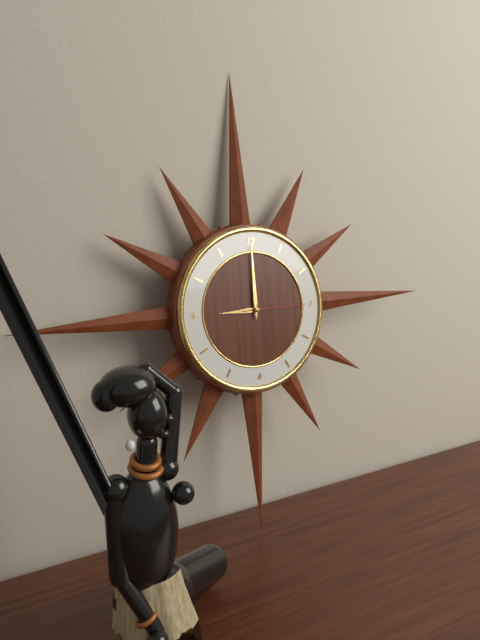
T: 9:00:15
